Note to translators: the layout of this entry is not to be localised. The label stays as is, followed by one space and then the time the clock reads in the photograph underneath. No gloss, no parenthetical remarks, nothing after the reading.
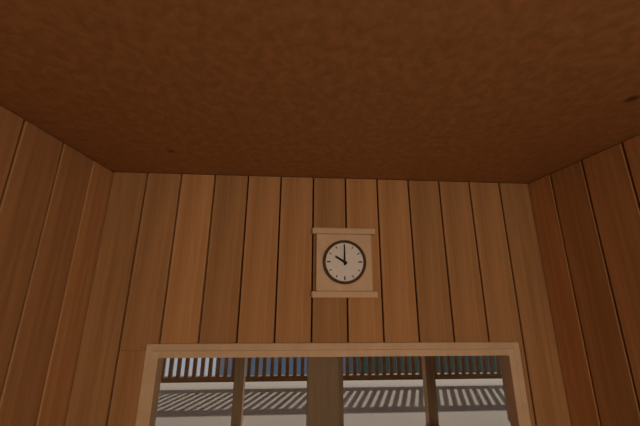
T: 10:00
